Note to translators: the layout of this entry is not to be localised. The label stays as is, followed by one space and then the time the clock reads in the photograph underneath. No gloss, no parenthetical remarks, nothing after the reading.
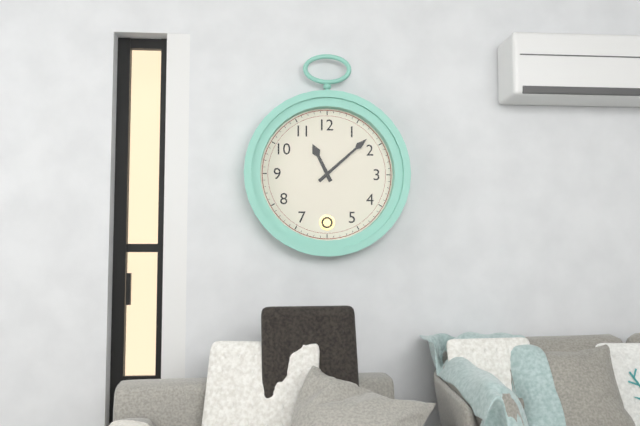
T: 11:08
